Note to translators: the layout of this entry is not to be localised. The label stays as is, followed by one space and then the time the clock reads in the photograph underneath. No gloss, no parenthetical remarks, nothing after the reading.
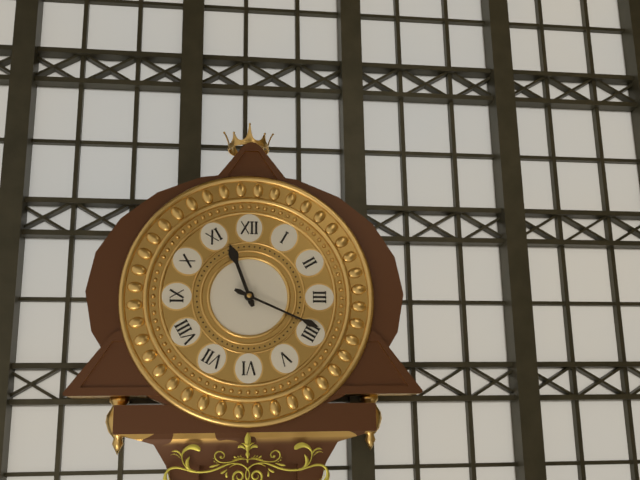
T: 11:19
